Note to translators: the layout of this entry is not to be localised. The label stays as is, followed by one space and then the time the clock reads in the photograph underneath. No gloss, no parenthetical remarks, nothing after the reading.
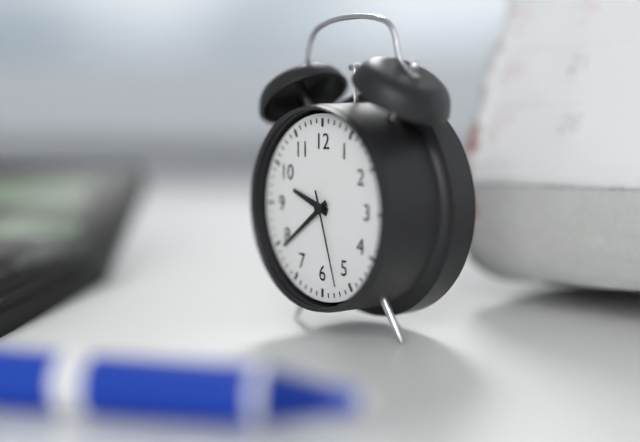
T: 9:39:27
